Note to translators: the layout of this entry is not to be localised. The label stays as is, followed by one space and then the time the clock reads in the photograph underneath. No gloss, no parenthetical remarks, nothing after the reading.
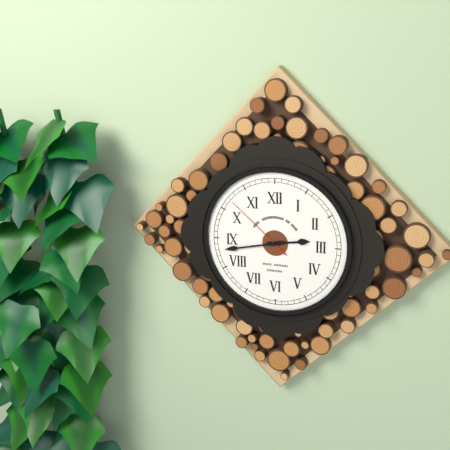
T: 2:43:52
